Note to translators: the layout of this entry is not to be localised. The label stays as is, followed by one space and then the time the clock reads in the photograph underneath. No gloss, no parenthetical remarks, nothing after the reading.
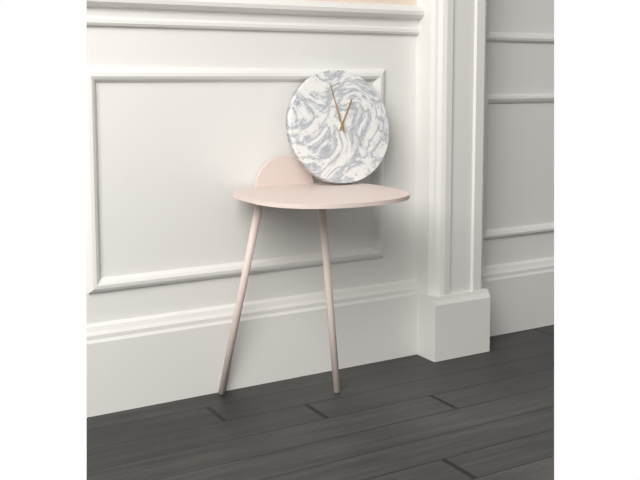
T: 12:58
